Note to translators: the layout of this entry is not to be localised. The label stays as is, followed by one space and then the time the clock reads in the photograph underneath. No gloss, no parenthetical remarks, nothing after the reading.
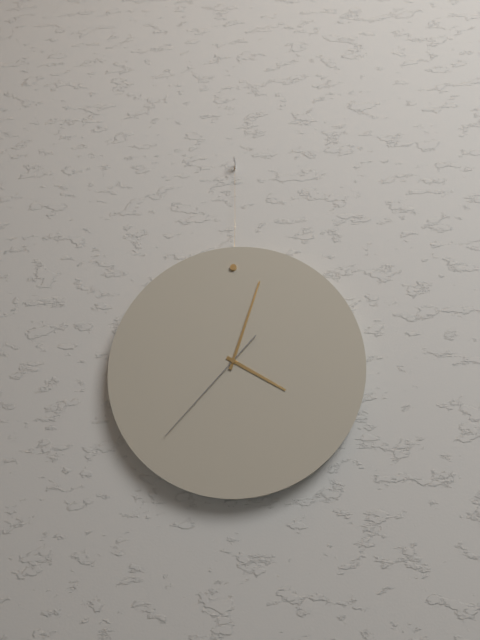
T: 4:03:37
